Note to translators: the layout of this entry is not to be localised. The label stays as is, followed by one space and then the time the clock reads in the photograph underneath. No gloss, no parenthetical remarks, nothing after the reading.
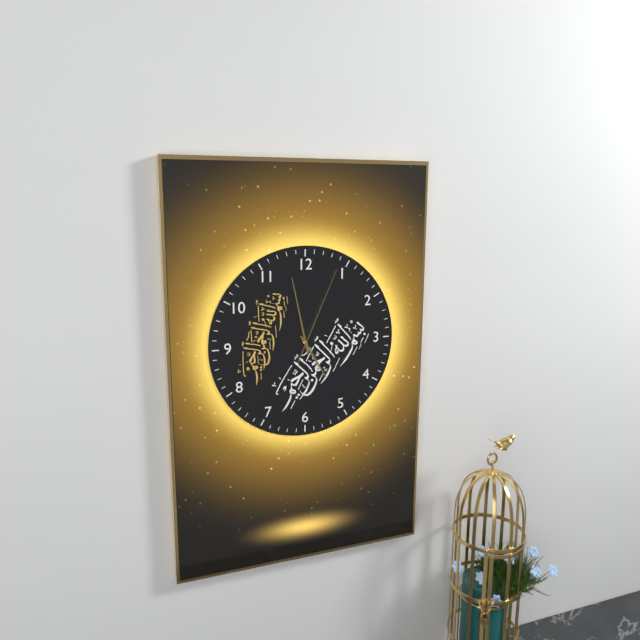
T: 4:58:04
